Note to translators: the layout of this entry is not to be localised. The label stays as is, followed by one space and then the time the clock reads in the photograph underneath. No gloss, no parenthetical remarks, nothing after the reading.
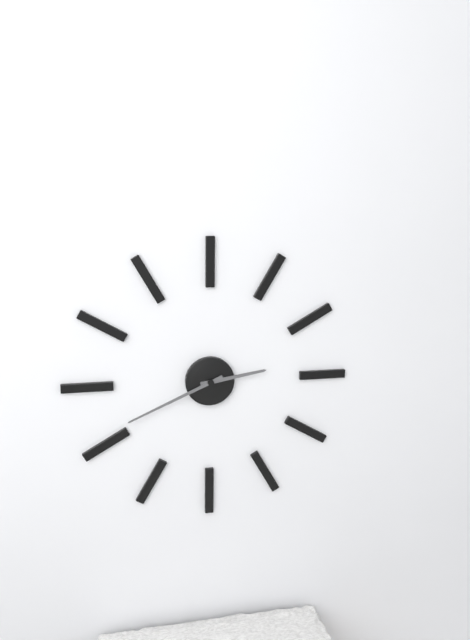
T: 2:41
